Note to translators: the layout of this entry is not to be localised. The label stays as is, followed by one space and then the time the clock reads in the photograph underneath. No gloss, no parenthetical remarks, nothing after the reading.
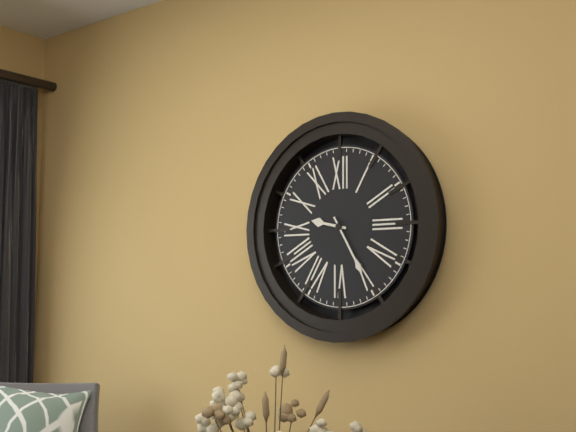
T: 9:25
